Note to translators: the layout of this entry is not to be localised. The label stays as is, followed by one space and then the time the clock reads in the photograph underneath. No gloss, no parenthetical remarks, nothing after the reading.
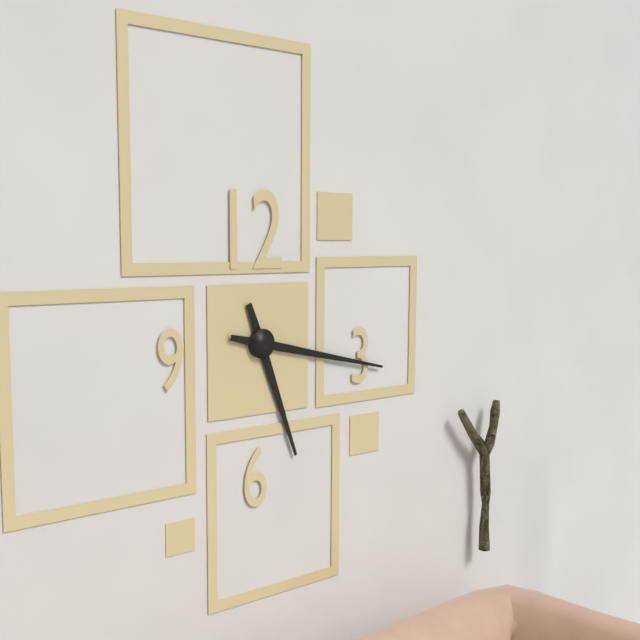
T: 5:17
